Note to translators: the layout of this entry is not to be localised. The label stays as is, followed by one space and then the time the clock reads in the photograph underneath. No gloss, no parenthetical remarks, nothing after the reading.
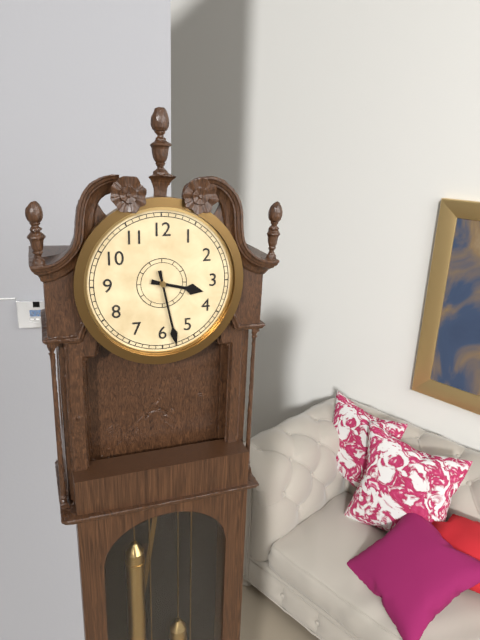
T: 3:28
